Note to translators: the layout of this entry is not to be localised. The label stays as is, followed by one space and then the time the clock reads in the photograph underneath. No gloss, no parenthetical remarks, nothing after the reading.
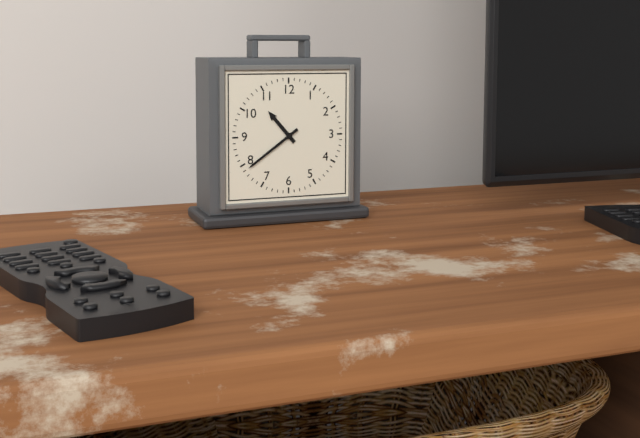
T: 10:39
